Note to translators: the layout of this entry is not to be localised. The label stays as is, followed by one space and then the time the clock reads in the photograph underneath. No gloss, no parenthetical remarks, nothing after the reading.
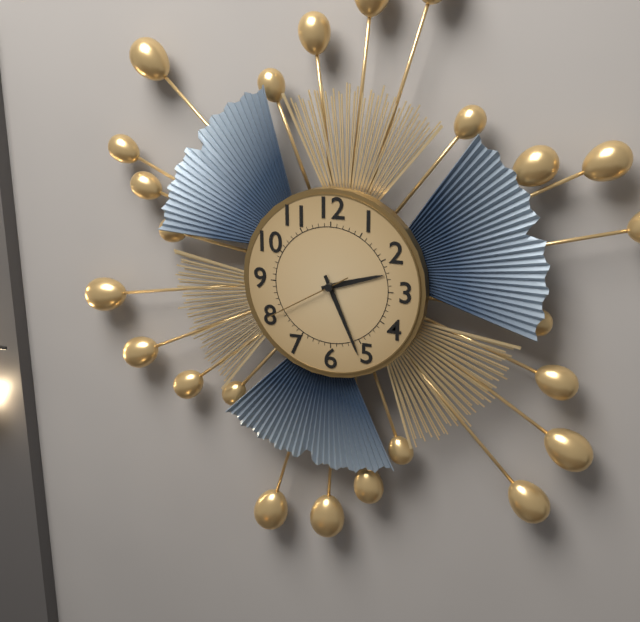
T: 2:26:40
